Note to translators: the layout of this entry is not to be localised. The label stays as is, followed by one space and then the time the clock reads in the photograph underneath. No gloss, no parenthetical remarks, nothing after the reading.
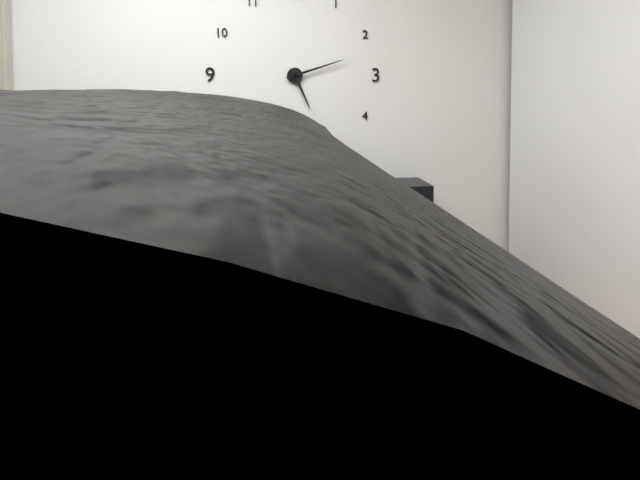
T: 5:12
